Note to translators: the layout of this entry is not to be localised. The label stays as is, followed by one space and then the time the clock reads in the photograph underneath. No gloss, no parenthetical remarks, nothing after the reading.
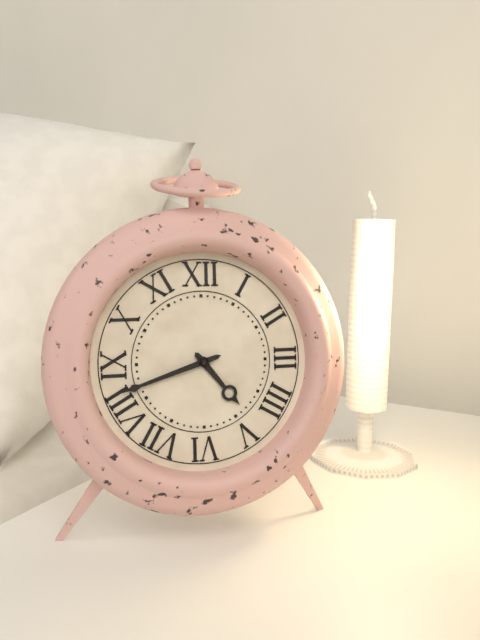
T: 4:42
